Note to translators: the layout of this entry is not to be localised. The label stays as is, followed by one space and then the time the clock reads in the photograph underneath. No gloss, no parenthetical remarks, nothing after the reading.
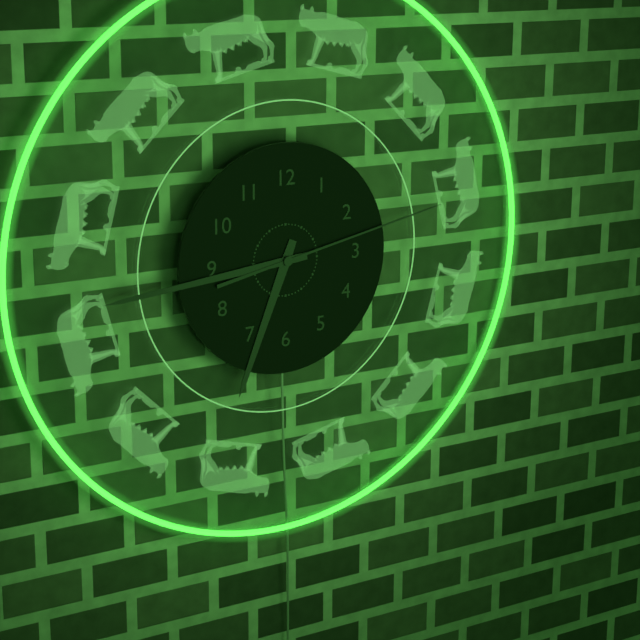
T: 6:44:13
